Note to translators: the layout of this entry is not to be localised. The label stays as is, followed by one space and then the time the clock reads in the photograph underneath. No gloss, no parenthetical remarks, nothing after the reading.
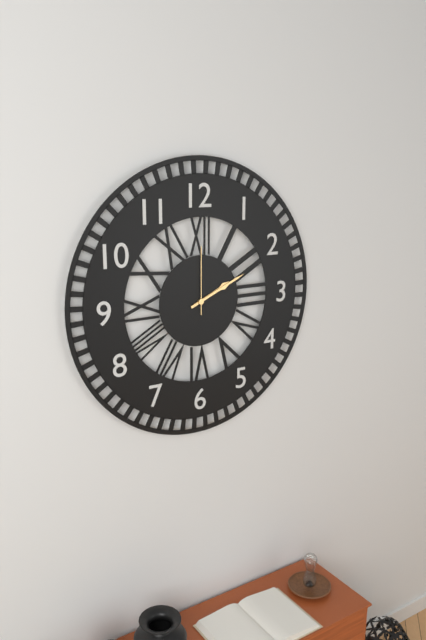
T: 2:11:00
